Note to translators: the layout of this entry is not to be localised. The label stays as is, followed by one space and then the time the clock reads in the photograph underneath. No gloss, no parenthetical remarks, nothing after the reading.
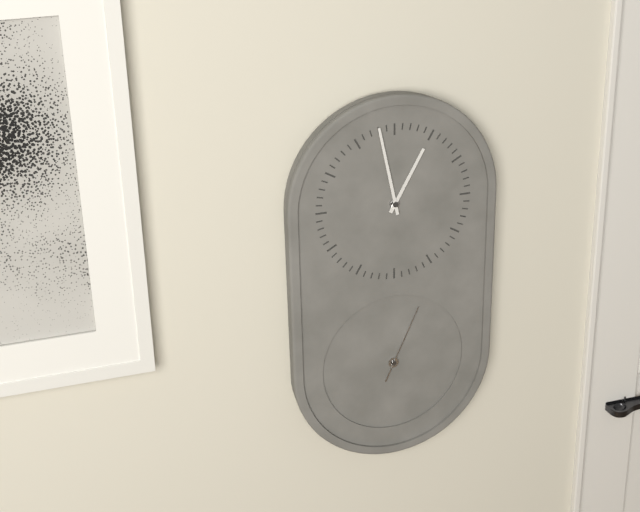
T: 12:58:04
